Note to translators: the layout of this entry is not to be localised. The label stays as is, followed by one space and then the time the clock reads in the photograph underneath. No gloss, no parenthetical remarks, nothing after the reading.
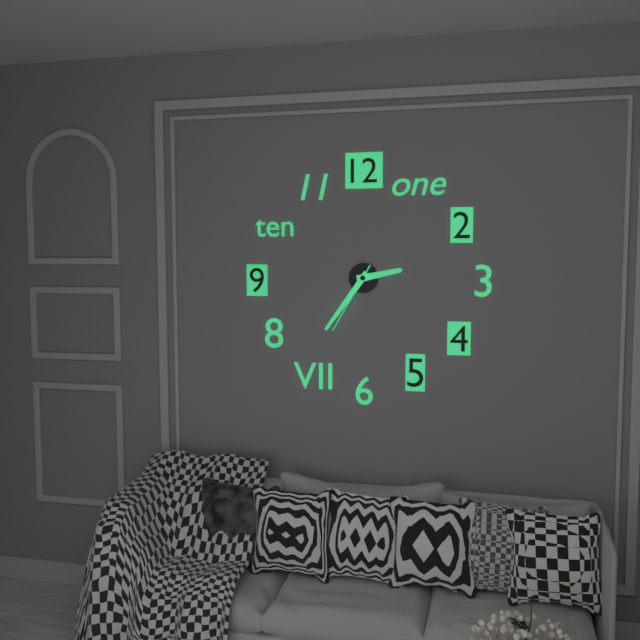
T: 2:36:35
